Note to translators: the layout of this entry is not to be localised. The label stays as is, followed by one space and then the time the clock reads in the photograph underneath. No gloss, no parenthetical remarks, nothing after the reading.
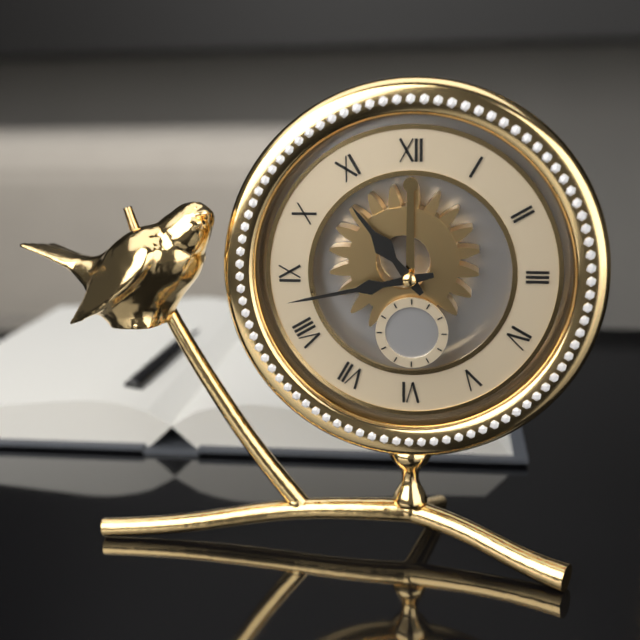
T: 10:43
